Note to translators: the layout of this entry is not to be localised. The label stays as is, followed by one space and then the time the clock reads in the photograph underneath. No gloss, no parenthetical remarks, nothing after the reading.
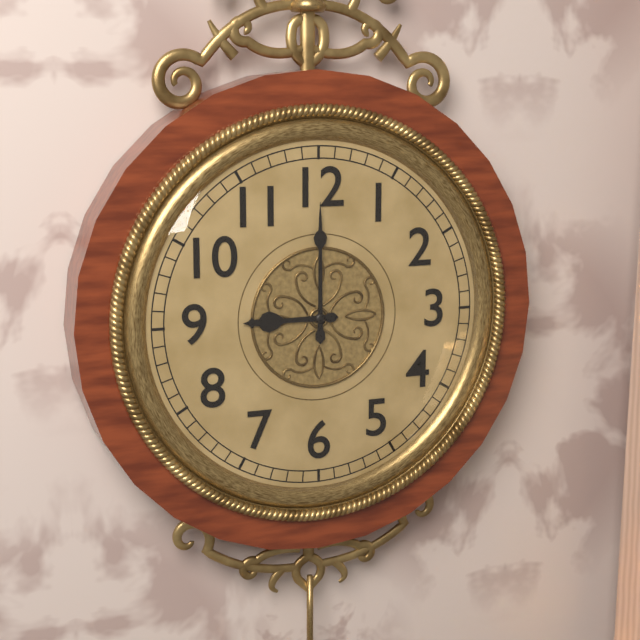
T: 9:00
